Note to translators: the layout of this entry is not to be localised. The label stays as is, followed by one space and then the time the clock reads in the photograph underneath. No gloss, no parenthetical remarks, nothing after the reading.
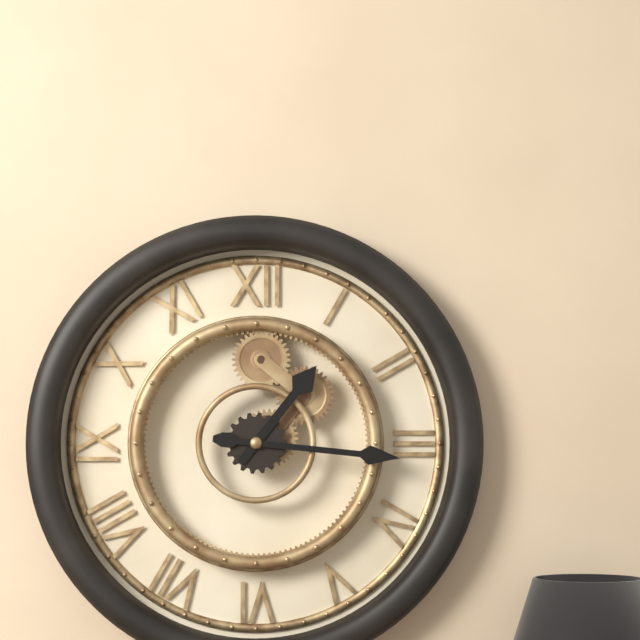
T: 1:16
